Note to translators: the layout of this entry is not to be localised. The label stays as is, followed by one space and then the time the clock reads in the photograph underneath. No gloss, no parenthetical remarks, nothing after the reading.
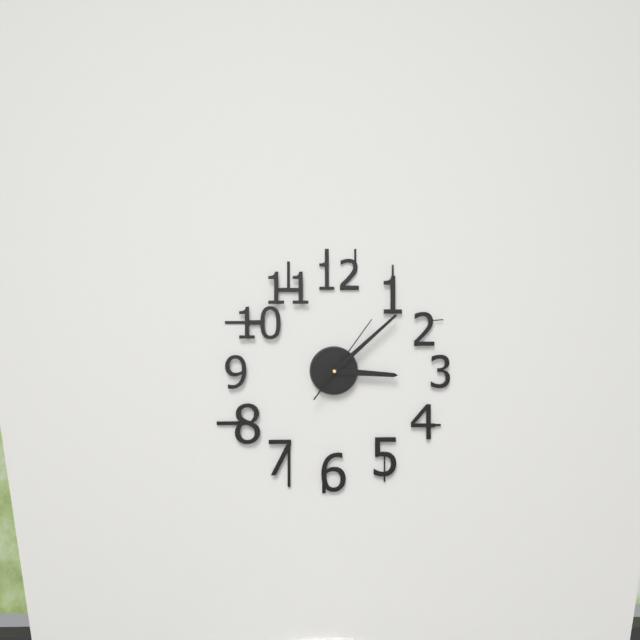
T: 3:08:06
